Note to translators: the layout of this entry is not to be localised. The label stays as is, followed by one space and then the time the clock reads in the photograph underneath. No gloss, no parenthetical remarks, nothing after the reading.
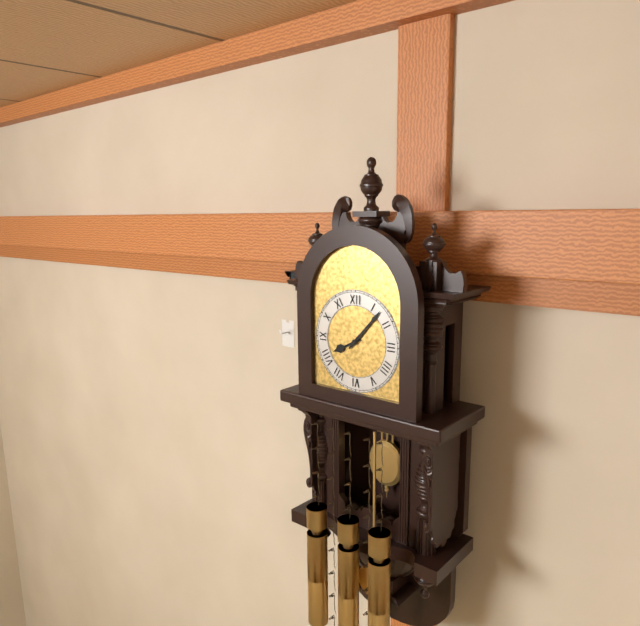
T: 8:07
